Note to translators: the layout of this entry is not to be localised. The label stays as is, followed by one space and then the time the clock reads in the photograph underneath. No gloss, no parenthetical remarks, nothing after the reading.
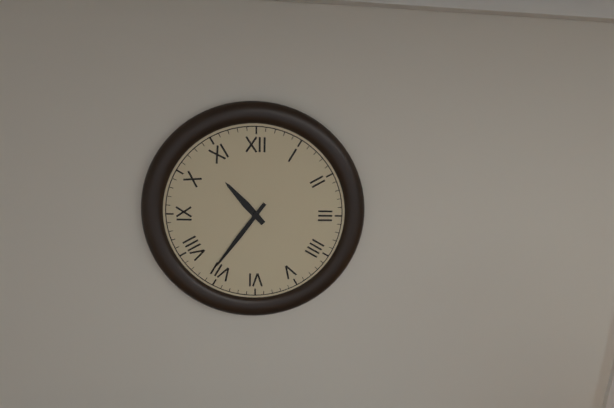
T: 10:36
